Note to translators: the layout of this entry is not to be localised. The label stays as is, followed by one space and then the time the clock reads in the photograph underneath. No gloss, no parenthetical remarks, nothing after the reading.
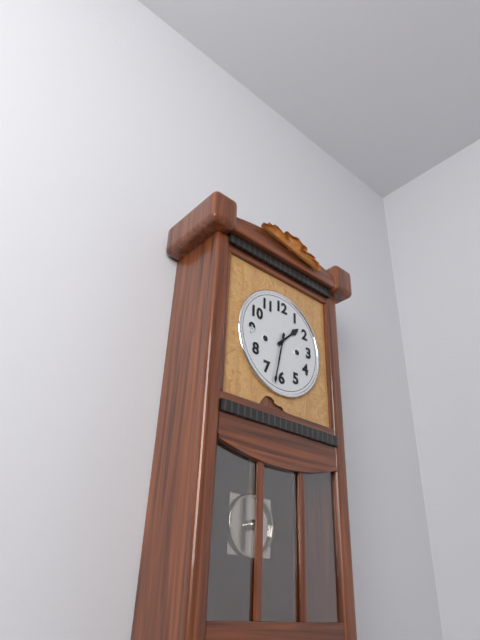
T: 1:32
